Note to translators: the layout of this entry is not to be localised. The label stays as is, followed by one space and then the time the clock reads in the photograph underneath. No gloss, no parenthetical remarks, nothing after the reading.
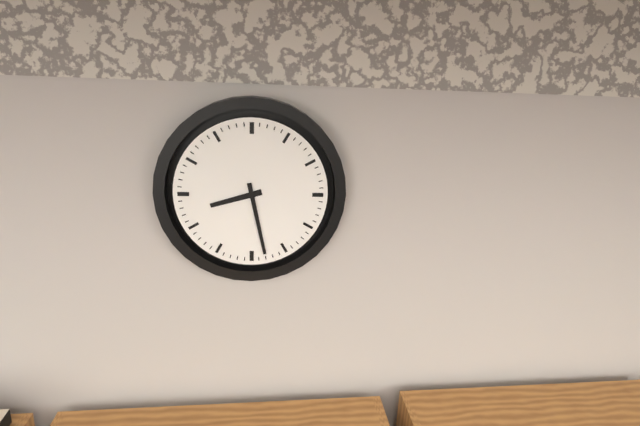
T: 8:28
